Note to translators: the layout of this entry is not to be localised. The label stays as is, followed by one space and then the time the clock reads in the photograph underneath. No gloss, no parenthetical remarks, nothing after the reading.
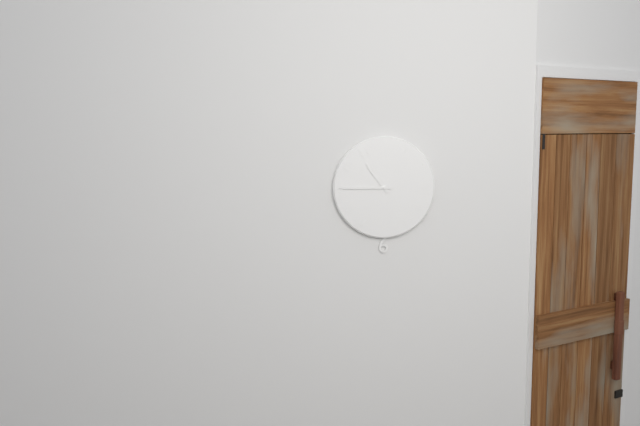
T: 10:45
